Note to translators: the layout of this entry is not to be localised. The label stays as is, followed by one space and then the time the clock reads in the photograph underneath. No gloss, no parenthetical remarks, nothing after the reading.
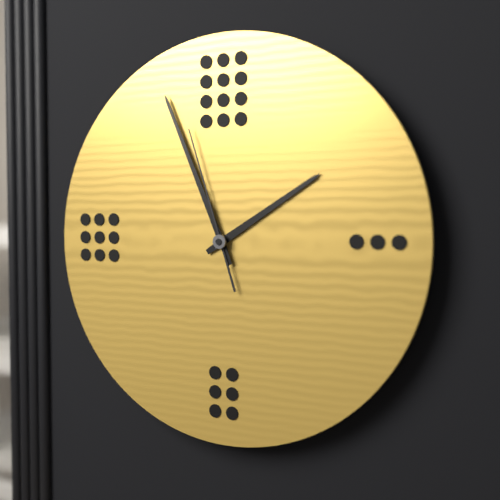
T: 1:56:57
